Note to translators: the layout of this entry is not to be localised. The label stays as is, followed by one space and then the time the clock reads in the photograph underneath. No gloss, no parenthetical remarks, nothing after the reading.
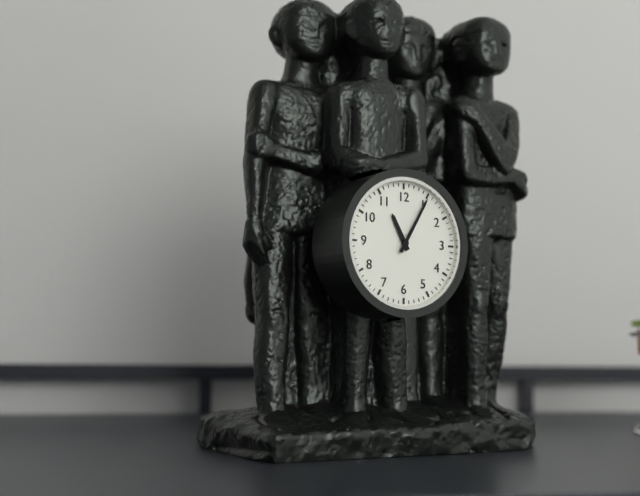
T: 11:05
